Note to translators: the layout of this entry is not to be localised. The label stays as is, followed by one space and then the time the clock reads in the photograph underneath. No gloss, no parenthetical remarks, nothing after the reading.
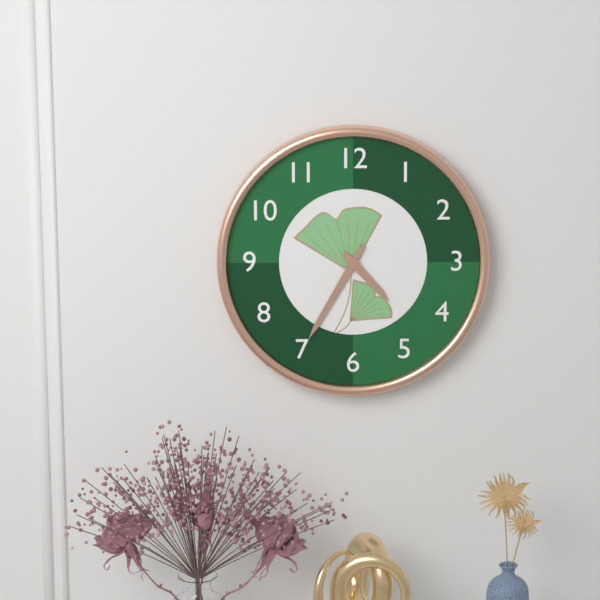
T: 4:35
